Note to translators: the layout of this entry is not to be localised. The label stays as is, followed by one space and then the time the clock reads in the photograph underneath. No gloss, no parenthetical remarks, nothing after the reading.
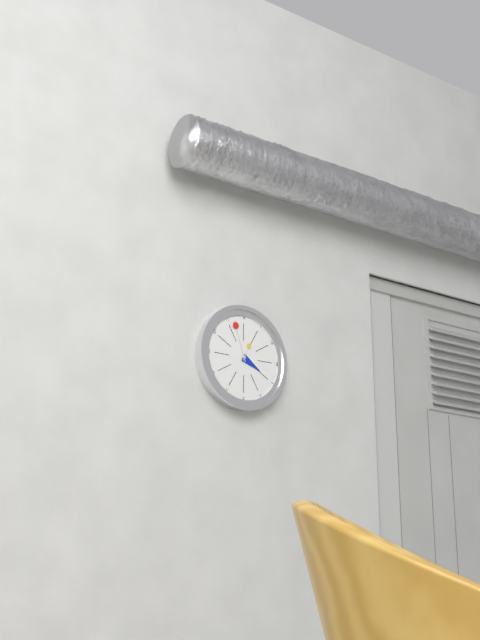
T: 3:57
